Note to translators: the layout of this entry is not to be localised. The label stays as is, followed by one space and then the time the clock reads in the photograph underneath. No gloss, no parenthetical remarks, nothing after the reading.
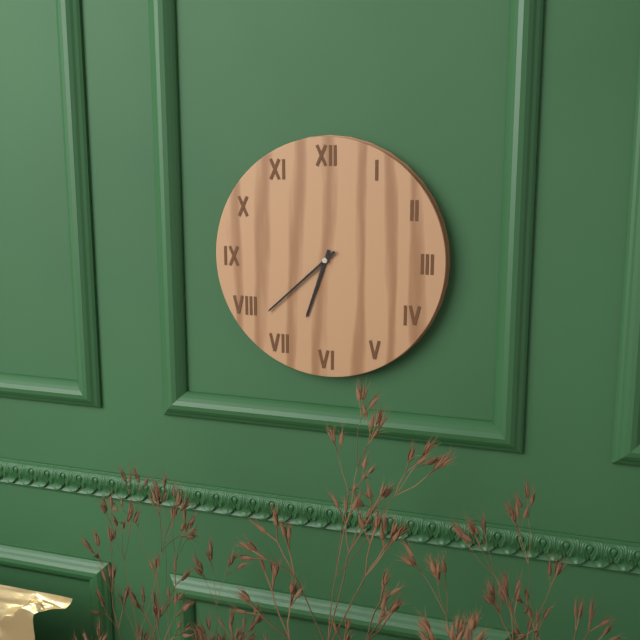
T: 6:38
